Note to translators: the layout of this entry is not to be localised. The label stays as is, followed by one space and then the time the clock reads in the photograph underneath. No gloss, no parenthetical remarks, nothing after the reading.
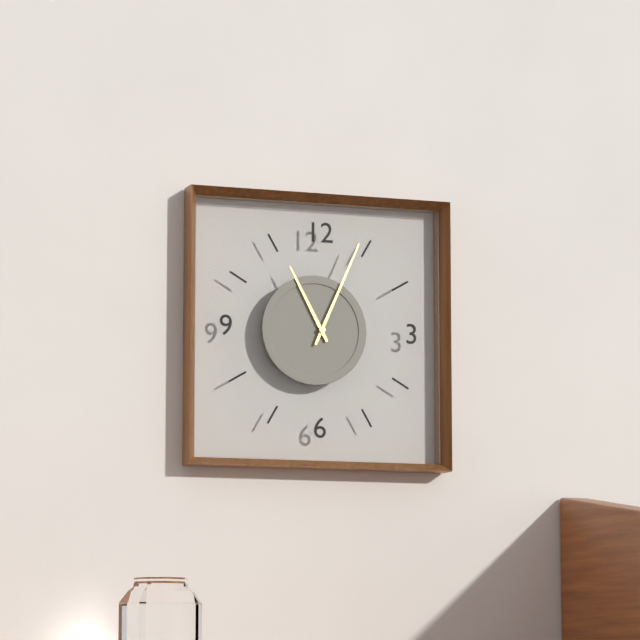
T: 11:04
